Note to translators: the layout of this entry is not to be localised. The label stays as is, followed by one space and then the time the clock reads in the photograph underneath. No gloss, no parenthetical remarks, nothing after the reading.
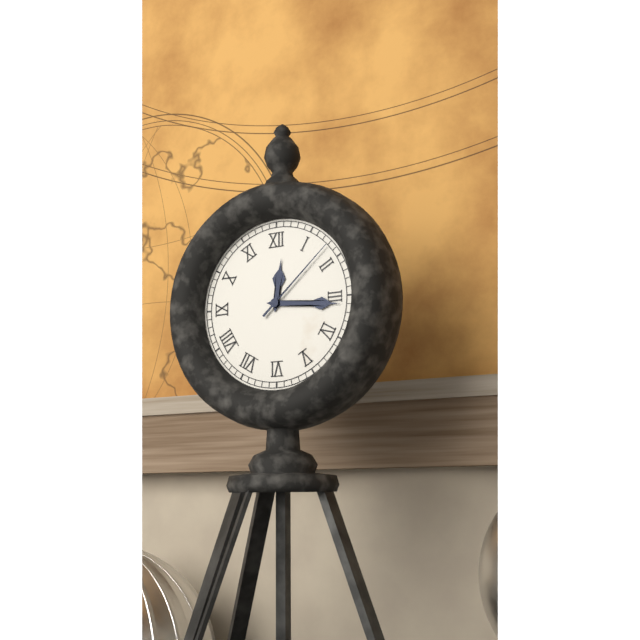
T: 12:16:08
